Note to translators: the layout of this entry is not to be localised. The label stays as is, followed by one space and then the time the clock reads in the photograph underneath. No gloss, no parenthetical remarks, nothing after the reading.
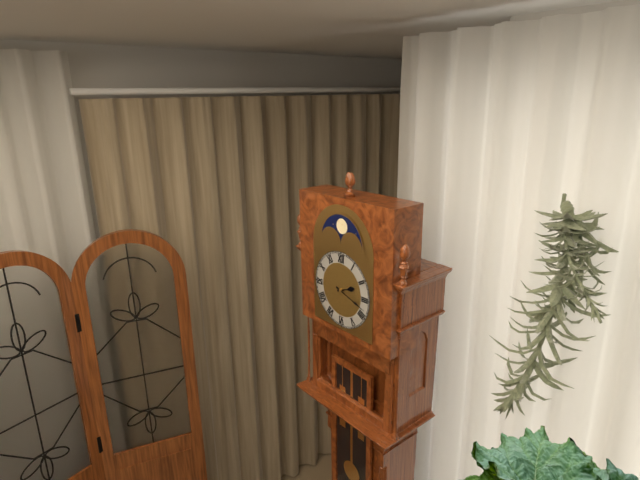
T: 2:18
